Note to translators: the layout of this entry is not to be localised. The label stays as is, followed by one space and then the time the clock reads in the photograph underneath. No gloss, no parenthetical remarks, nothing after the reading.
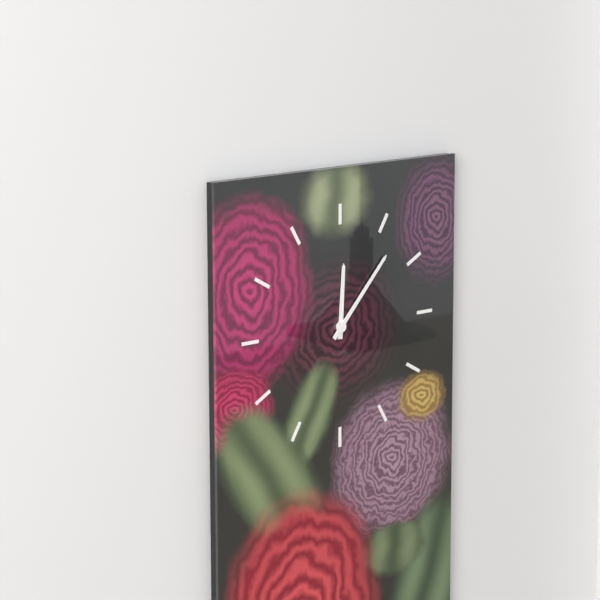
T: 12:07
